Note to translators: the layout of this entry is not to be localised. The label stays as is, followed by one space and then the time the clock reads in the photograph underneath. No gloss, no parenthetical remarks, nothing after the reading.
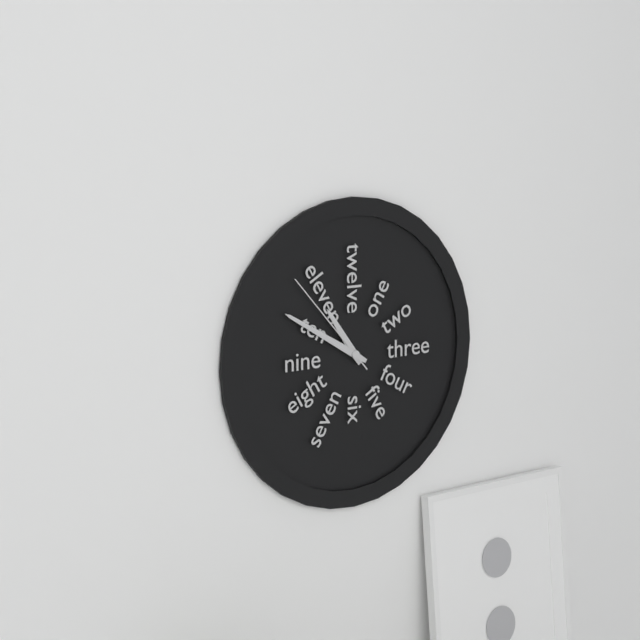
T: 10:50:53
